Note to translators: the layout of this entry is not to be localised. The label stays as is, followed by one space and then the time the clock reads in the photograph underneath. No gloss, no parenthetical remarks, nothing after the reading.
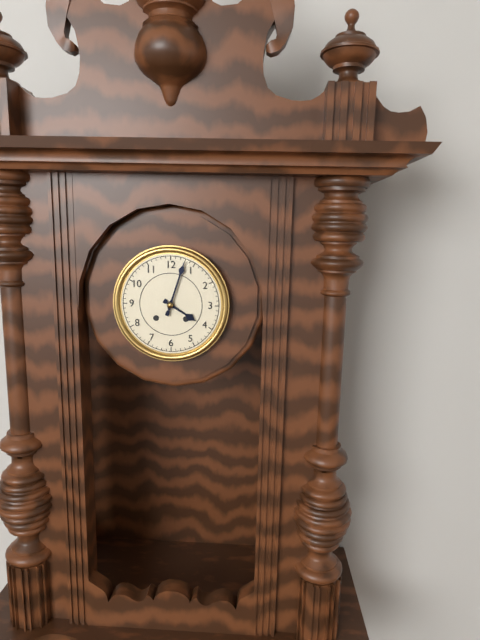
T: 4:03
